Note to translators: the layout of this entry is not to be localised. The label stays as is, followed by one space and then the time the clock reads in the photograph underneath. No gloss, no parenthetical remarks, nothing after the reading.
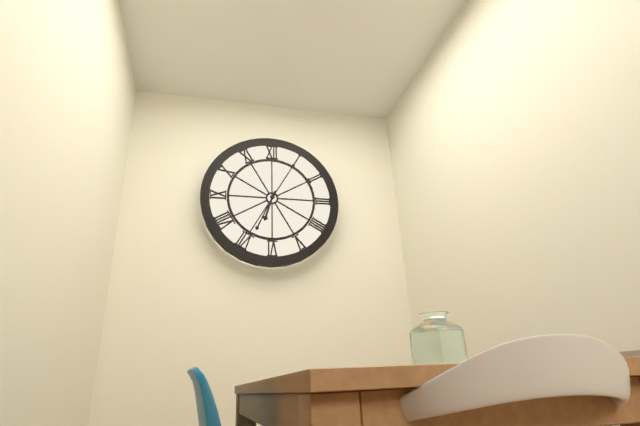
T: 6:34
